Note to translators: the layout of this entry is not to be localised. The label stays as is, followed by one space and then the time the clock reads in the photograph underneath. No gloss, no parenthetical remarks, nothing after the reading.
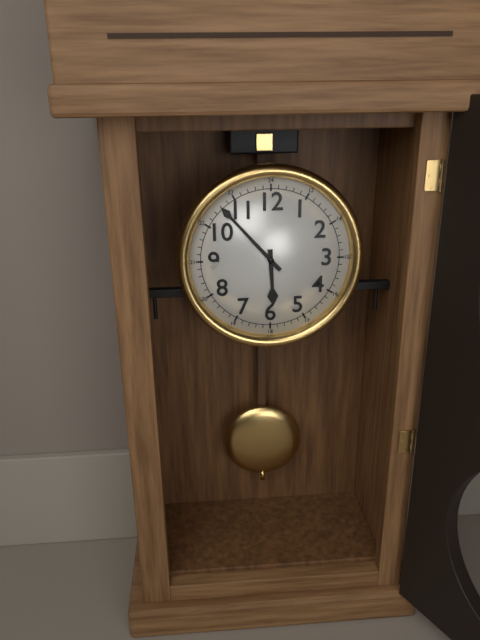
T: 5:53
